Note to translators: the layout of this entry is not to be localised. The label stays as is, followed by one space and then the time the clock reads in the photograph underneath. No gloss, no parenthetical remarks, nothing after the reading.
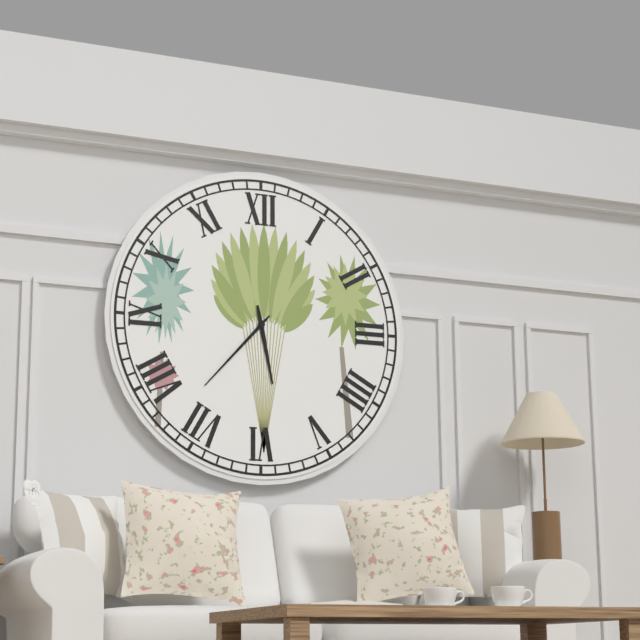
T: 5:37
